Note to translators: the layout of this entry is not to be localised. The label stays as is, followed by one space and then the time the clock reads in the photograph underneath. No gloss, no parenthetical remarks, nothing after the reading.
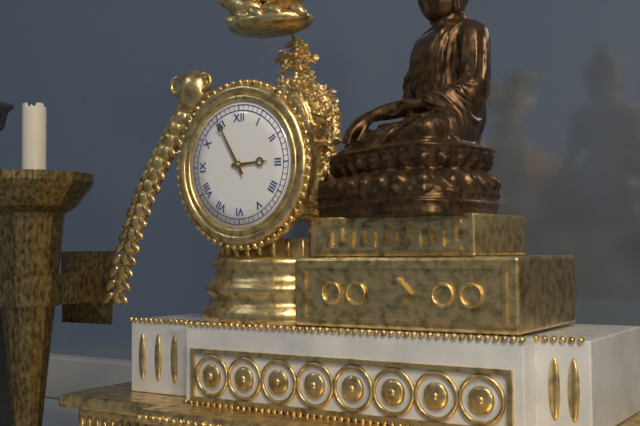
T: 2:55
